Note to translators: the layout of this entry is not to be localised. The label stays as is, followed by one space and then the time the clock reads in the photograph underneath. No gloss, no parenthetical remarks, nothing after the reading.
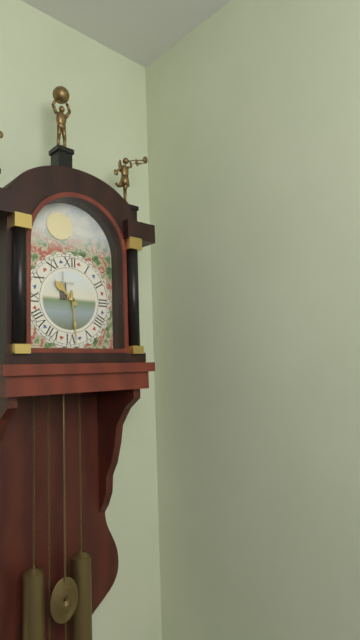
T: 10:29
